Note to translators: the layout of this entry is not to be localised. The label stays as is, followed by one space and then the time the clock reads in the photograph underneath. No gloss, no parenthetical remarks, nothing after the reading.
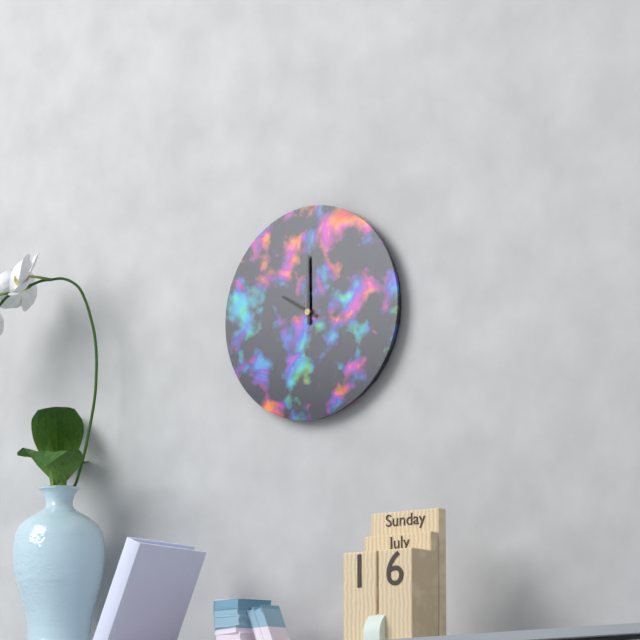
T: 10:00
